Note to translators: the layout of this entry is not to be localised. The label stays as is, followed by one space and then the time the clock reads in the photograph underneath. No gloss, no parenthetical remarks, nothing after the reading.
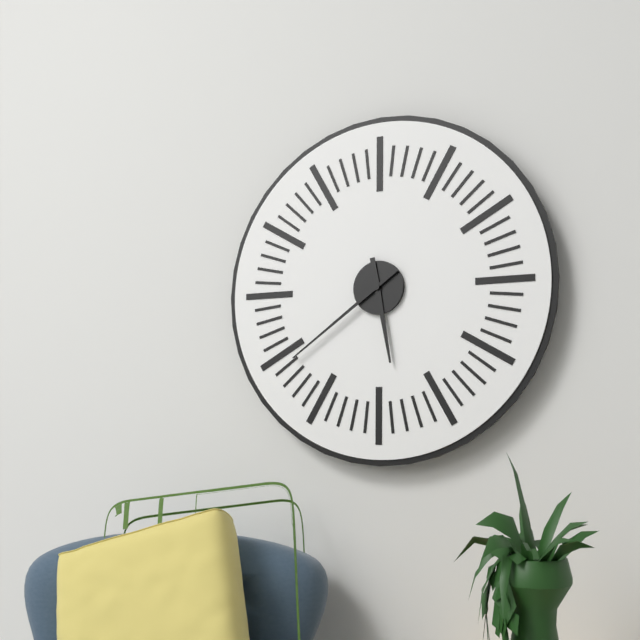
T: 5:39
